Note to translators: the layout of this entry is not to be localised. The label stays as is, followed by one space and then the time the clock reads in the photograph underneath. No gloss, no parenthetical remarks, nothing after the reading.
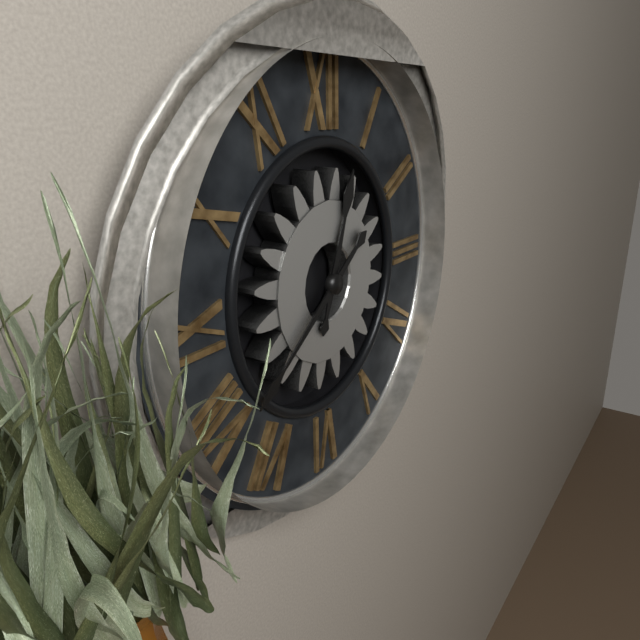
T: 12:39
